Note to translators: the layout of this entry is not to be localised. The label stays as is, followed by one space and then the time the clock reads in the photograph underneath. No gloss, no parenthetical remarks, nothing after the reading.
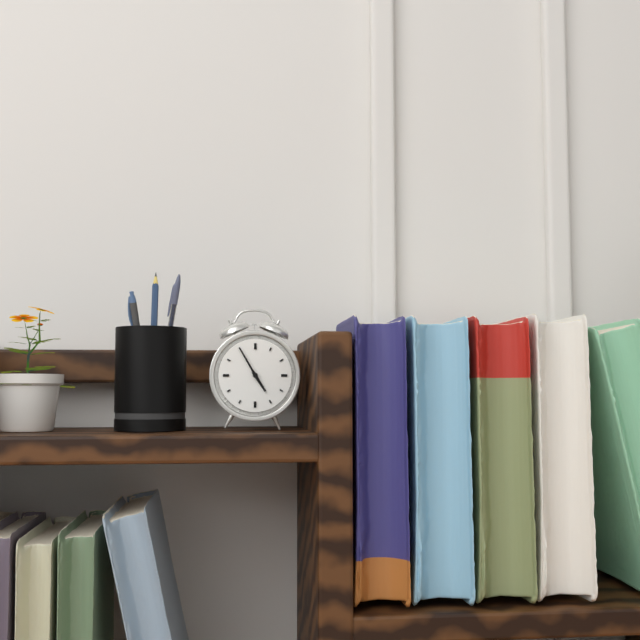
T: 4:55
